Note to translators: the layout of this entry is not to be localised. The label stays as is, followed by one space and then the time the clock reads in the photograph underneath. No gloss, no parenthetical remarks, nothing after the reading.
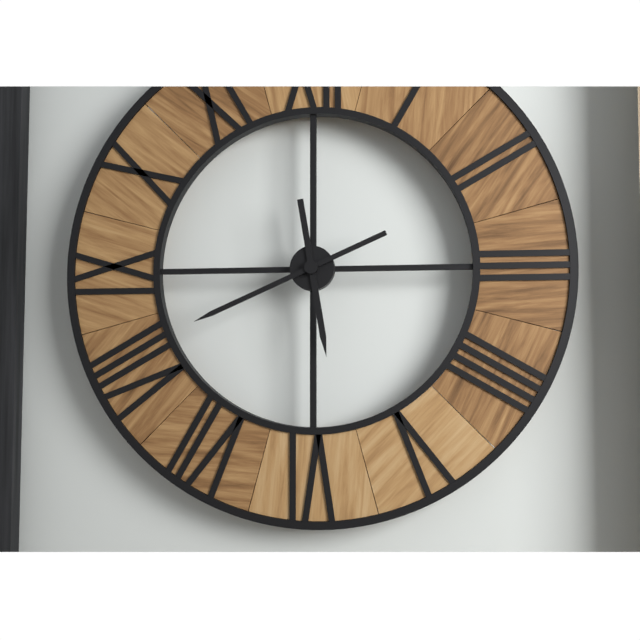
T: 5:41
